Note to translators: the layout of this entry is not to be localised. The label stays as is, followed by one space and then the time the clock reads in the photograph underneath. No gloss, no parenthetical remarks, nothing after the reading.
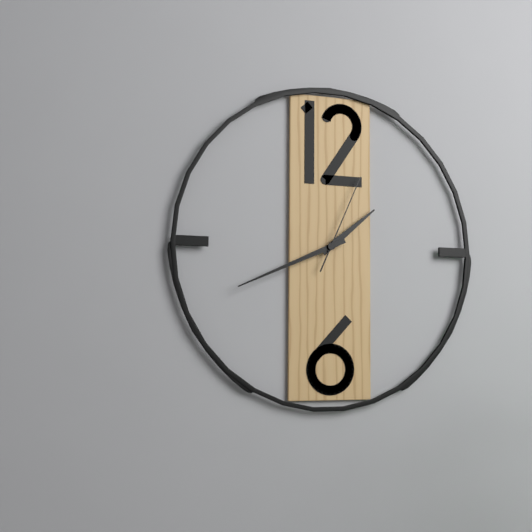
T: 1:41:04
